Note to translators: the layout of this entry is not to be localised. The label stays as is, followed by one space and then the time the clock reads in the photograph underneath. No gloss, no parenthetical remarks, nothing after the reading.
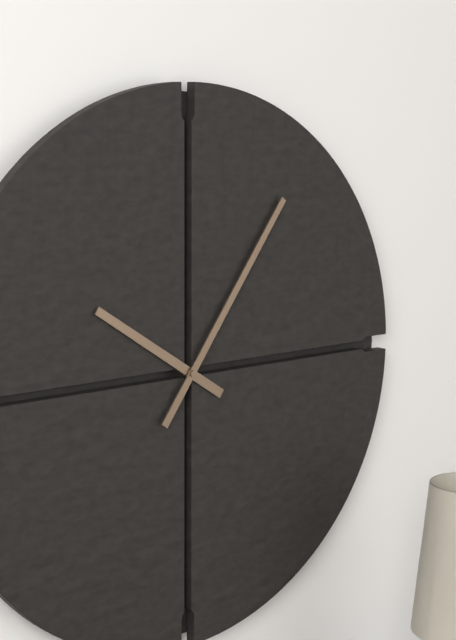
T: 10:06
